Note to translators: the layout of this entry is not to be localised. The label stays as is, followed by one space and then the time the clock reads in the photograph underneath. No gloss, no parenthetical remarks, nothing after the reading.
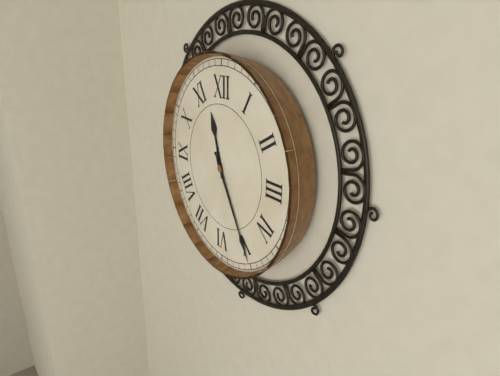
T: 11:25
